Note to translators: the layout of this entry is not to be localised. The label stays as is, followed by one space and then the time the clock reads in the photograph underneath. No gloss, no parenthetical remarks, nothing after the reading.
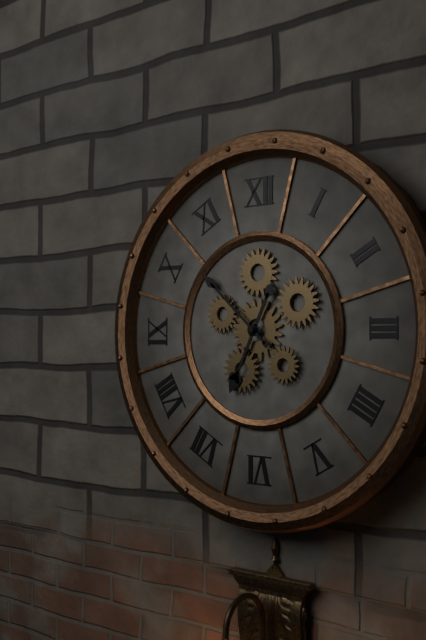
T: 6:52
